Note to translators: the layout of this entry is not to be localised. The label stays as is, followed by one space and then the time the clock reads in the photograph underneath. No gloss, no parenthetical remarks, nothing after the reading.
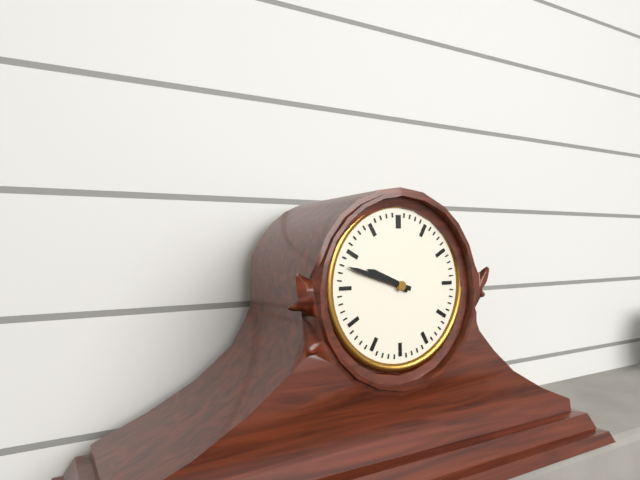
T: 9:48
